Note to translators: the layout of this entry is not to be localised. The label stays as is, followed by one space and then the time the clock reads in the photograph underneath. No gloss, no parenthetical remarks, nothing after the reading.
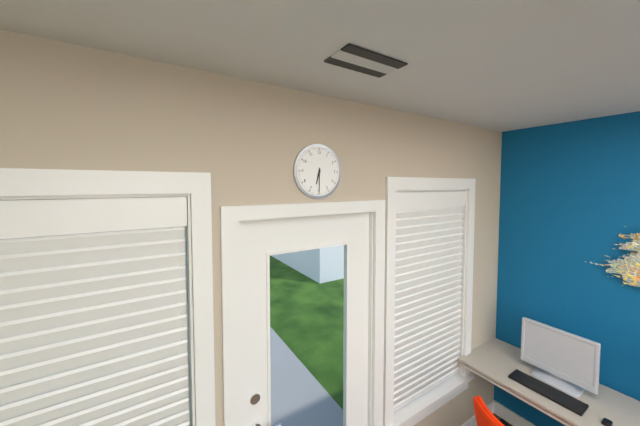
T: 6:30
